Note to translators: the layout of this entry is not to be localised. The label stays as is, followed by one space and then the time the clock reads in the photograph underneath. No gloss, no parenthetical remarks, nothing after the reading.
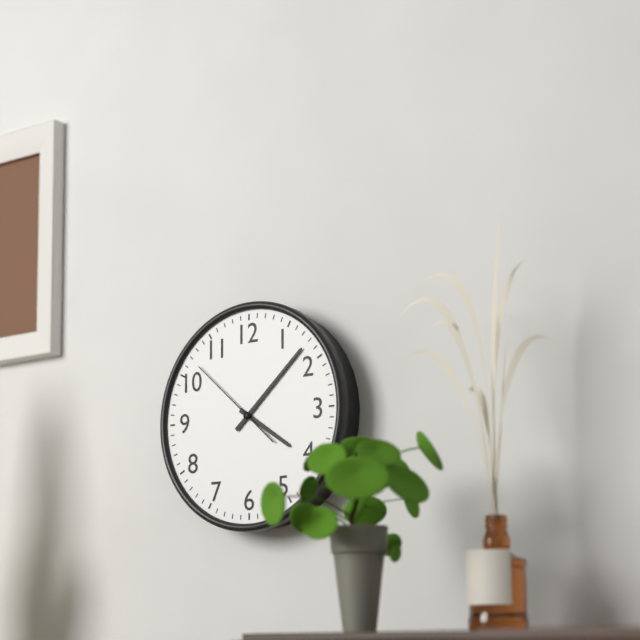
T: 4:08:52
